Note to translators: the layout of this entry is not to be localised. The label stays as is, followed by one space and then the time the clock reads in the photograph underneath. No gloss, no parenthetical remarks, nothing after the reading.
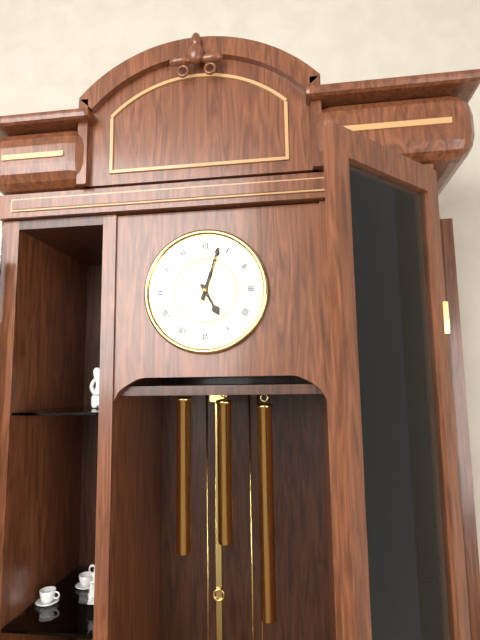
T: 5:03
